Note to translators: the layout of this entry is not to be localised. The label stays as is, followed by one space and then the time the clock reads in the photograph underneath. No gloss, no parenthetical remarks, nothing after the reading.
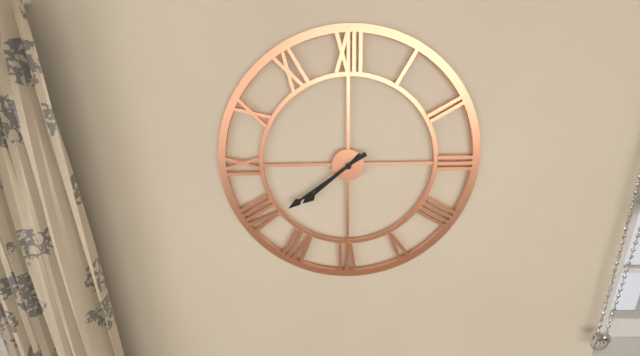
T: 7:39
